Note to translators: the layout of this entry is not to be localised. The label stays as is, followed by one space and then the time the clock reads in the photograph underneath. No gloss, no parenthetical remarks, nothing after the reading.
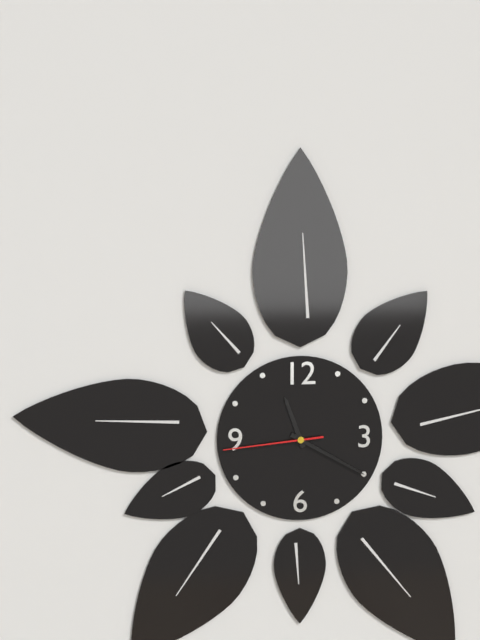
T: 11:20:44
